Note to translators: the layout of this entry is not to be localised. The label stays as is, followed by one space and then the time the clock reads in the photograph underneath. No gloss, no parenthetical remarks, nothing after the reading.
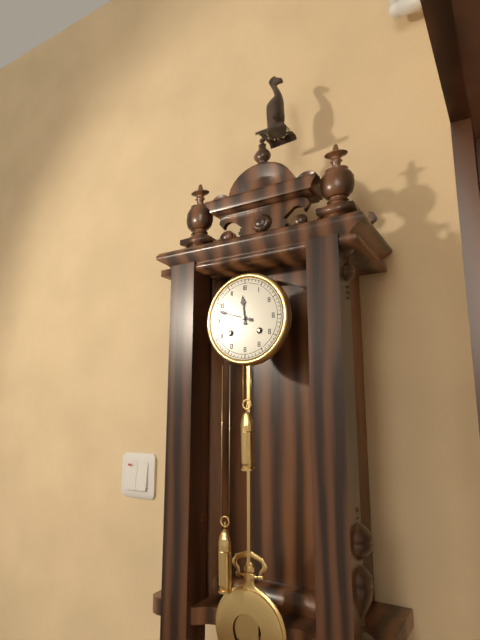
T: 11:48
